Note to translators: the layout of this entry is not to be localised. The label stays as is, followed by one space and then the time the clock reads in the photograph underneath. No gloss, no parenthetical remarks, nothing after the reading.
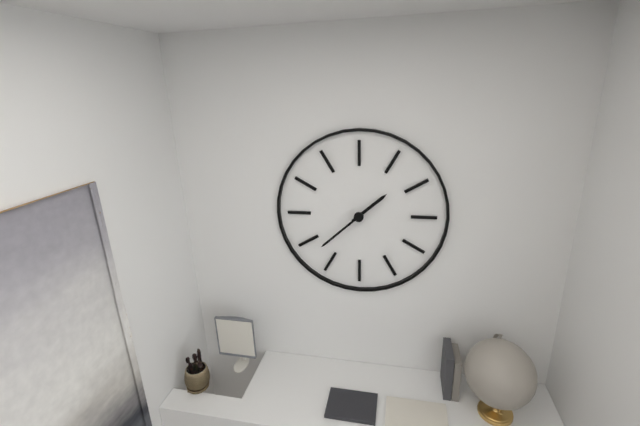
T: 1:38
